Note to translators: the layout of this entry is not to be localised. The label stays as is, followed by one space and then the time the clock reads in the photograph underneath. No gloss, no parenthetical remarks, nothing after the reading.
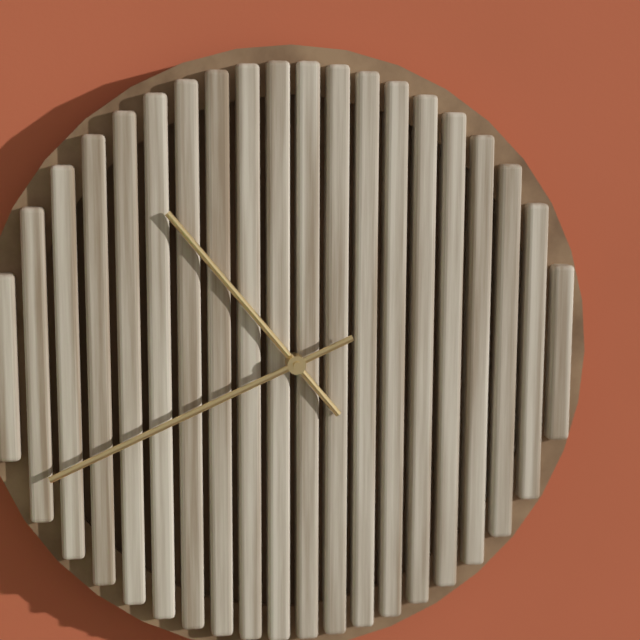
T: 10:41
